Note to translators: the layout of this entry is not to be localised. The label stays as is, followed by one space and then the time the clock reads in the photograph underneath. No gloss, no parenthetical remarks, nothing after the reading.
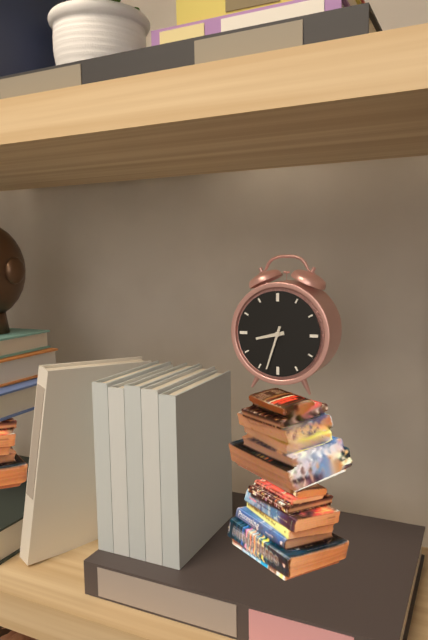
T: 8:33
